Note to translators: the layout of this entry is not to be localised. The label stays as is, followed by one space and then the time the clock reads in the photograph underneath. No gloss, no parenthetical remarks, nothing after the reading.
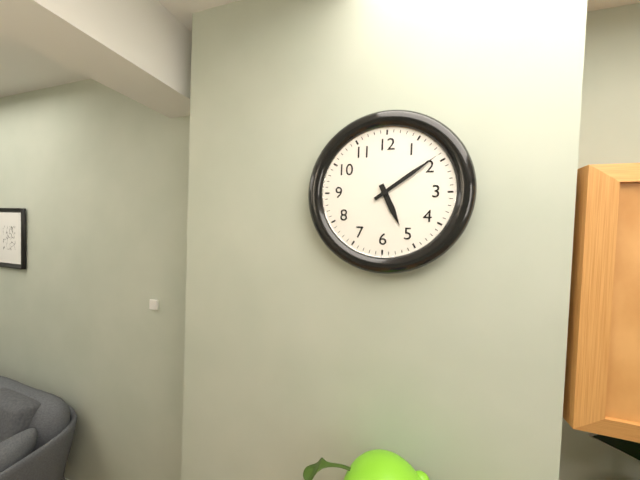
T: 5:09
